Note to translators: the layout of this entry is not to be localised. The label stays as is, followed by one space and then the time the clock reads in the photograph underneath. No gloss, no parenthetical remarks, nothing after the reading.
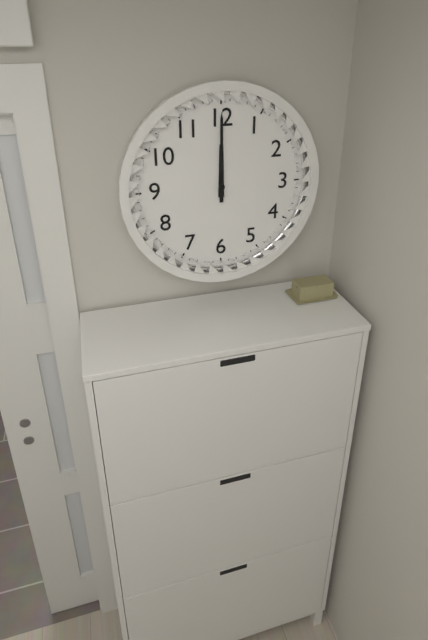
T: 12:00
